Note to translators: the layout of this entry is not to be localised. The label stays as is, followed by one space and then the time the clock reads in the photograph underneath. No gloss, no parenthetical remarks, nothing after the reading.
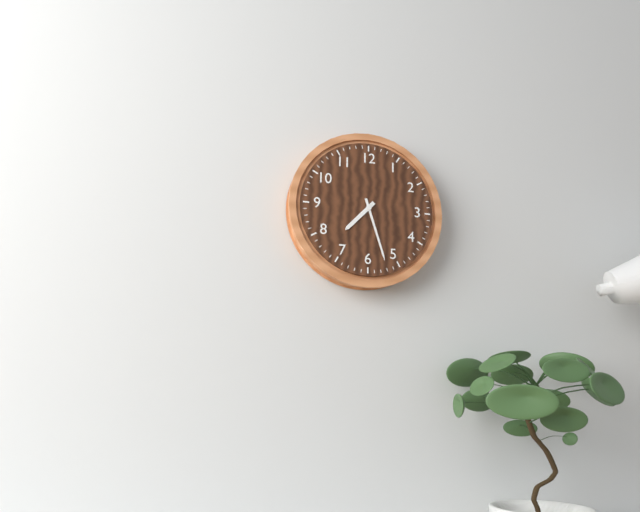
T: 7:27
